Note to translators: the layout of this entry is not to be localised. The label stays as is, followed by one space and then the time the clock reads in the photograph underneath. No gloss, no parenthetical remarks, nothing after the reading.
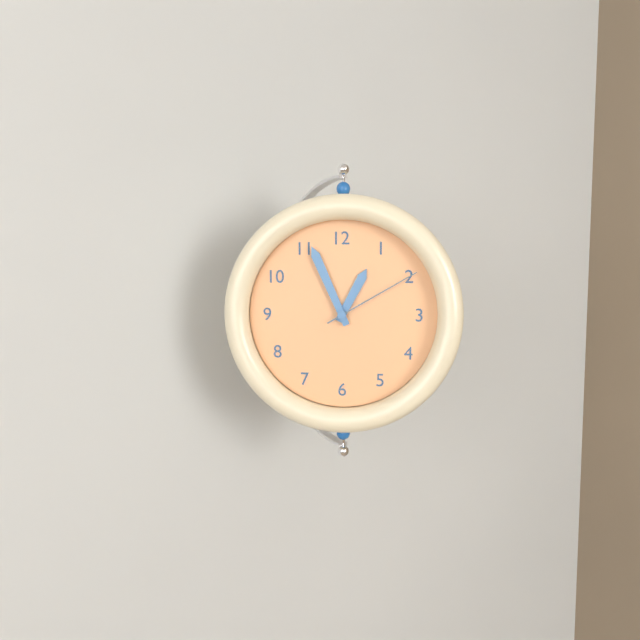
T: 12:56:10
